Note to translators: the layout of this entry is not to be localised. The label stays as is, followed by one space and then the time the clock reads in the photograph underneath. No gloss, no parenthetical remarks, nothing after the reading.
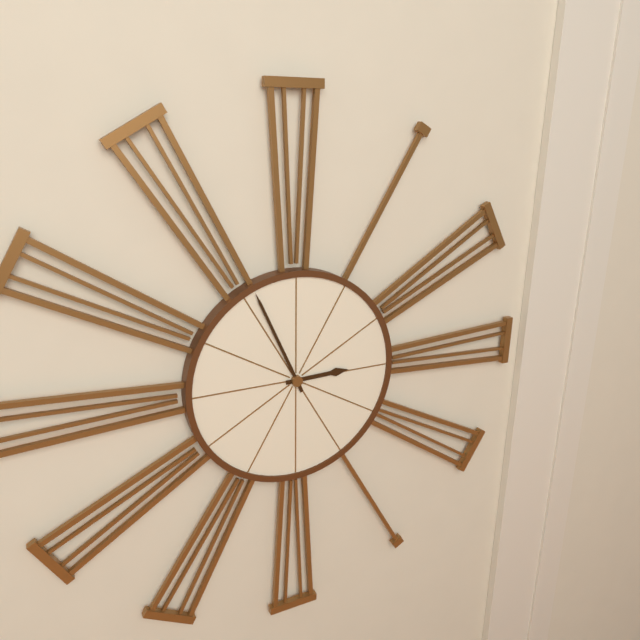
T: 2:56
